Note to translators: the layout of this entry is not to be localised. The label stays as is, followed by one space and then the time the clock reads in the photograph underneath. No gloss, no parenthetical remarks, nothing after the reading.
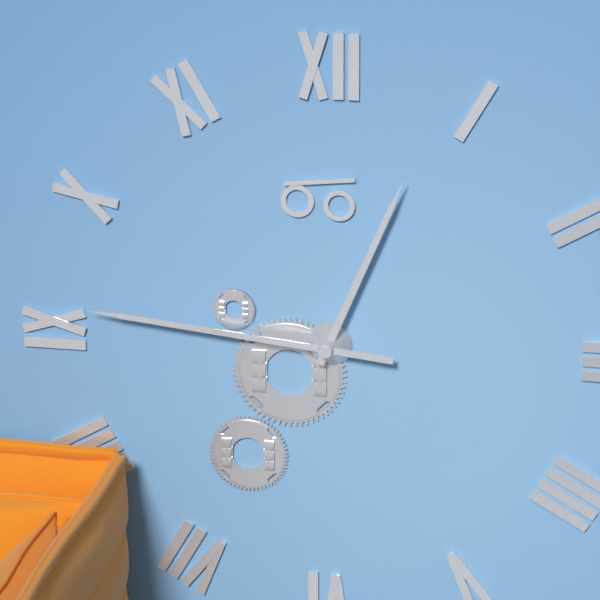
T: 12:46
